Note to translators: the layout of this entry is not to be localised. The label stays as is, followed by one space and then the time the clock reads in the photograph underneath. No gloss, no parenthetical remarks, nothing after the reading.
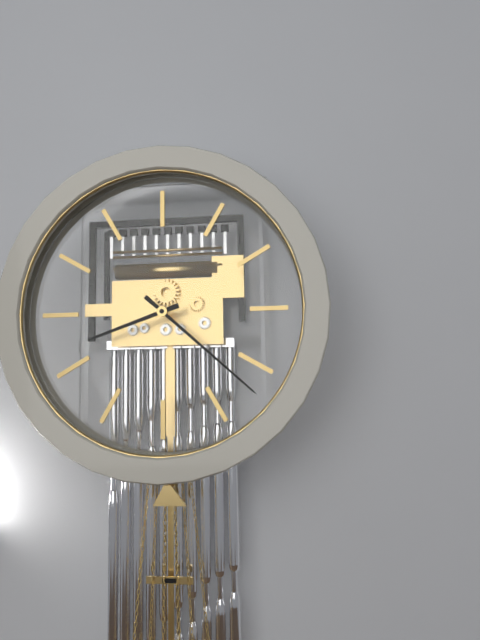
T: 8:22
